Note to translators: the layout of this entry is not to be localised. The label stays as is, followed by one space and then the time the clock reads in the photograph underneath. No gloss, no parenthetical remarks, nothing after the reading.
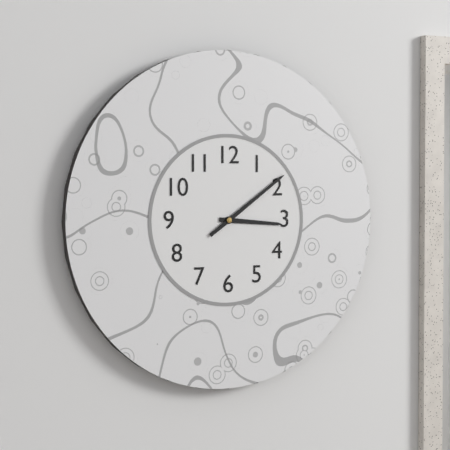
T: 3:09
